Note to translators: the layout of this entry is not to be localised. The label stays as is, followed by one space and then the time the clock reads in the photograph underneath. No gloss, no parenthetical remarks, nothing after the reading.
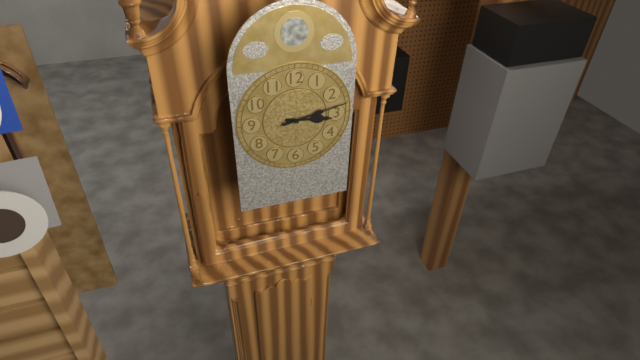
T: 3:13
